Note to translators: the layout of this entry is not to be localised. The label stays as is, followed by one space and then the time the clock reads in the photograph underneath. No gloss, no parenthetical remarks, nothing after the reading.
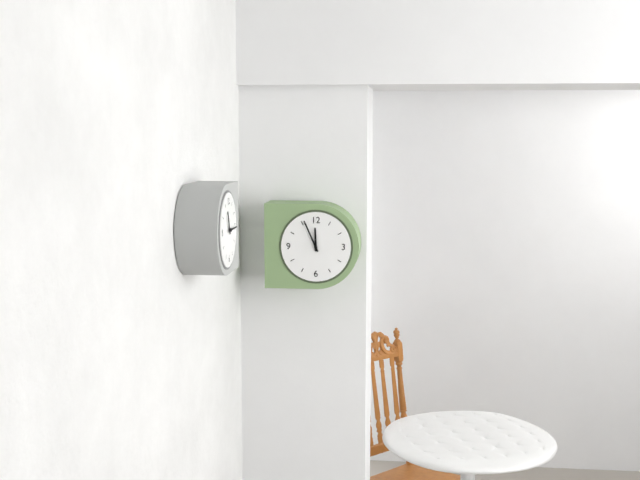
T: 11:56
